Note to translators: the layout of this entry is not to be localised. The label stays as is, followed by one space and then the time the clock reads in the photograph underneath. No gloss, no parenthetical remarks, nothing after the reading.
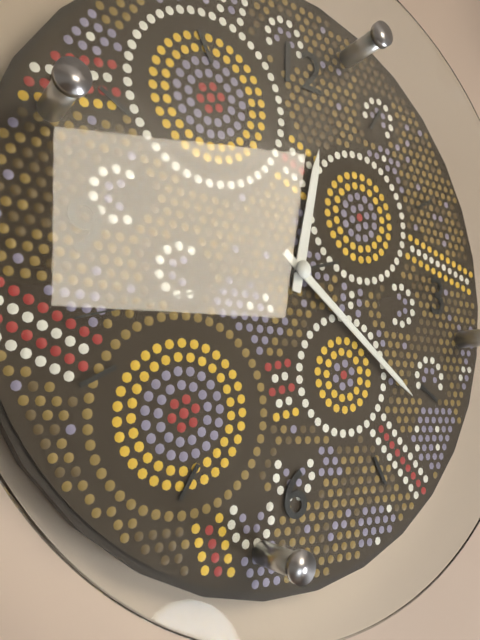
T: 12:21:42
